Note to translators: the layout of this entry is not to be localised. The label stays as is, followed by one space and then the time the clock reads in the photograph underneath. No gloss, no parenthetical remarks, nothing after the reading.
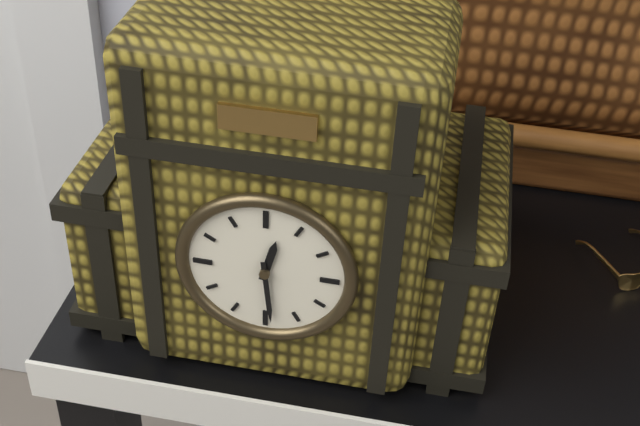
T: 12:29
